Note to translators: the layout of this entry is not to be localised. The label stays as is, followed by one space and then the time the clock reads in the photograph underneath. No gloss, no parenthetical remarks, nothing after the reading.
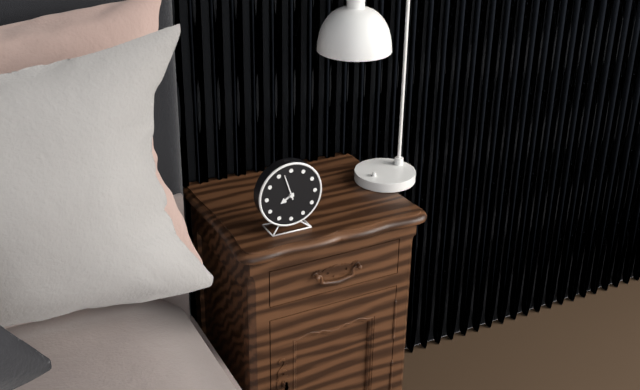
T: 7:57
